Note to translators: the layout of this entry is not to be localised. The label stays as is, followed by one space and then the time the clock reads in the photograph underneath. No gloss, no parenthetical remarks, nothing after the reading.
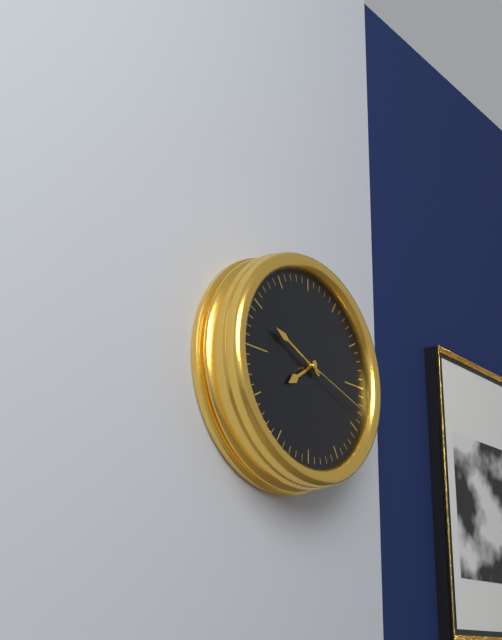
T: 7:49:18
